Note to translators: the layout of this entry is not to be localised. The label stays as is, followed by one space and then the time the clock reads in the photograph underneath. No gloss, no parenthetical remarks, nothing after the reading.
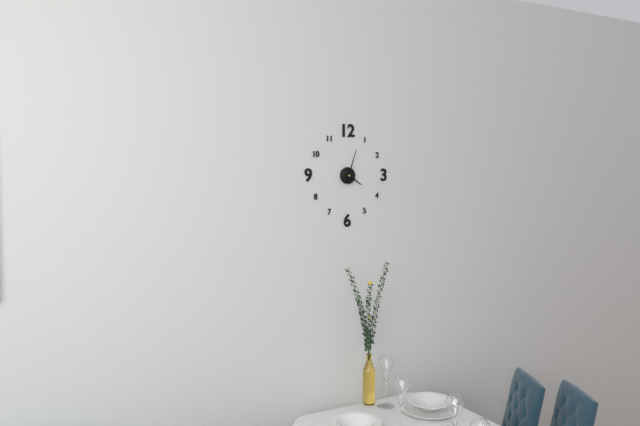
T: 4:03
